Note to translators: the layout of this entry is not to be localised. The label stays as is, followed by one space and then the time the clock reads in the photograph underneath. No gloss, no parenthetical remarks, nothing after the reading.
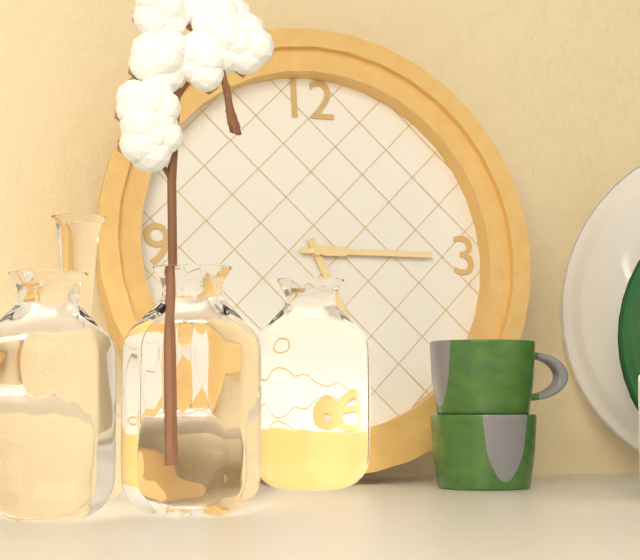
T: 5:15
